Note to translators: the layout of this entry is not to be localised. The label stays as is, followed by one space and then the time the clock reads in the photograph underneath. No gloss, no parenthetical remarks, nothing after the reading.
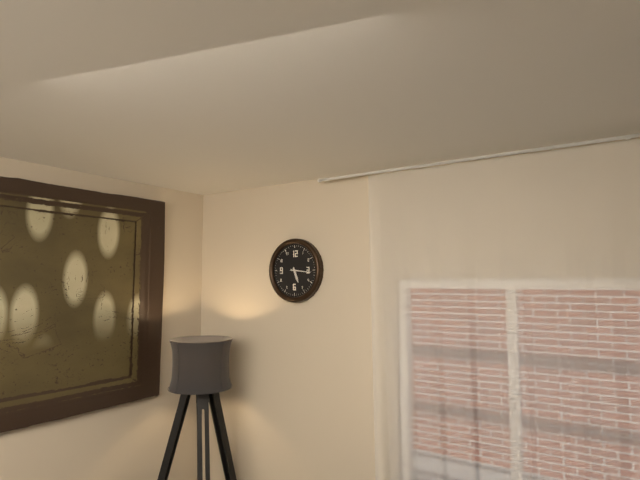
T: 5:16
